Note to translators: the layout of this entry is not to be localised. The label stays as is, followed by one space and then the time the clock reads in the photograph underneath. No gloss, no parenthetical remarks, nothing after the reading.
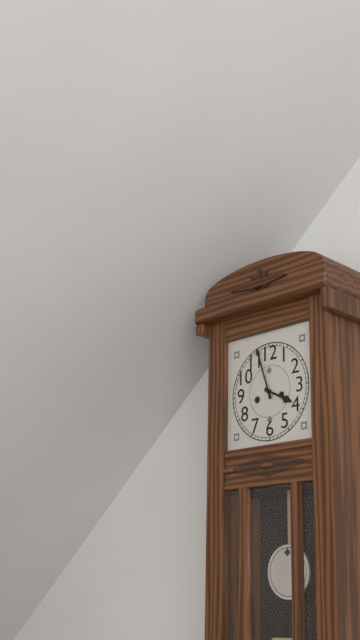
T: 3:57
